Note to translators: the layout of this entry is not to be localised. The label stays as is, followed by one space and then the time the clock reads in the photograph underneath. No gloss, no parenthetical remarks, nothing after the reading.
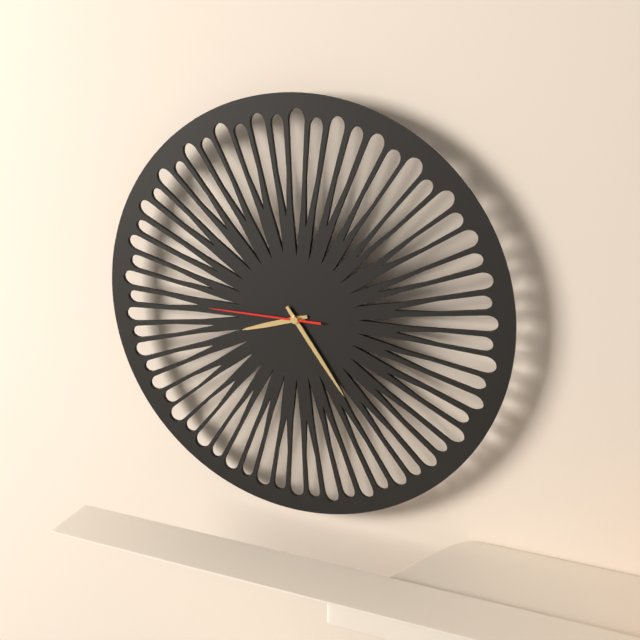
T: 8:24:45
